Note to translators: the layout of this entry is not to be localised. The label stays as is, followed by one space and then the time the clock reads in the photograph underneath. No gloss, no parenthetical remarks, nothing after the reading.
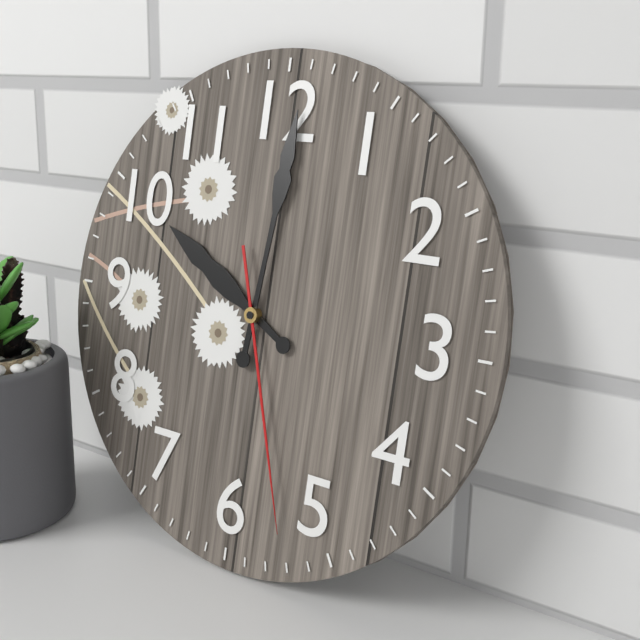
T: 10:01:27
